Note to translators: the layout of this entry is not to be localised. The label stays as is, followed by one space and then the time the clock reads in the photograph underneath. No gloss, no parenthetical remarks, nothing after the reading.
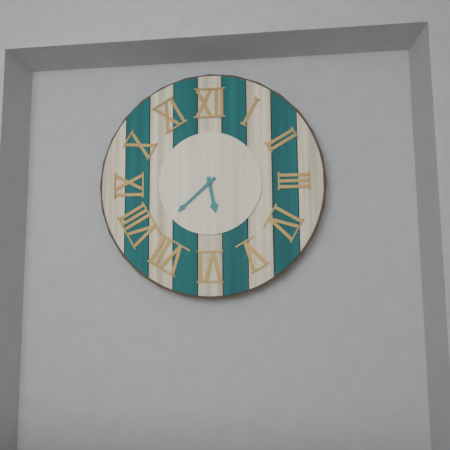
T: 5:38
